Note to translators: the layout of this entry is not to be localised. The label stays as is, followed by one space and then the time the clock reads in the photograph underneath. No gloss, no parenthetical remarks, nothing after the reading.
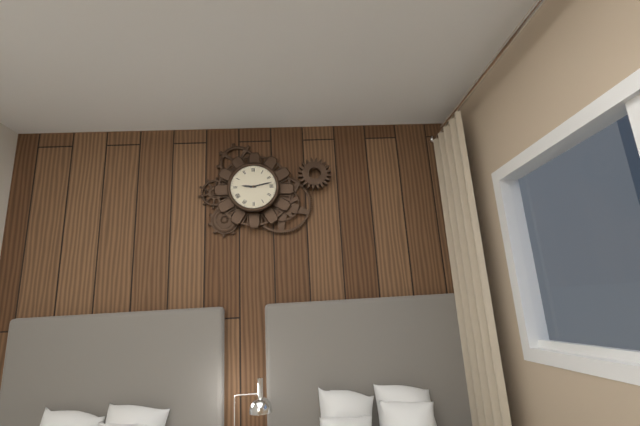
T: 9:13
